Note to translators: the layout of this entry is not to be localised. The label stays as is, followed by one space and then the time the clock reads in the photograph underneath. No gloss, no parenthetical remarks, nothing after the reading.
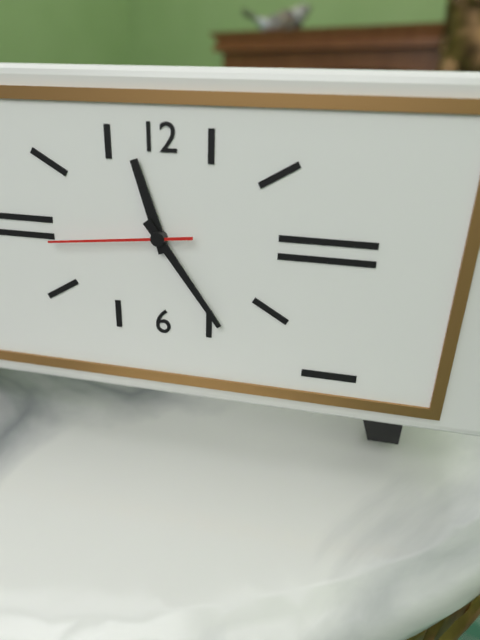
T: 11:24:44
